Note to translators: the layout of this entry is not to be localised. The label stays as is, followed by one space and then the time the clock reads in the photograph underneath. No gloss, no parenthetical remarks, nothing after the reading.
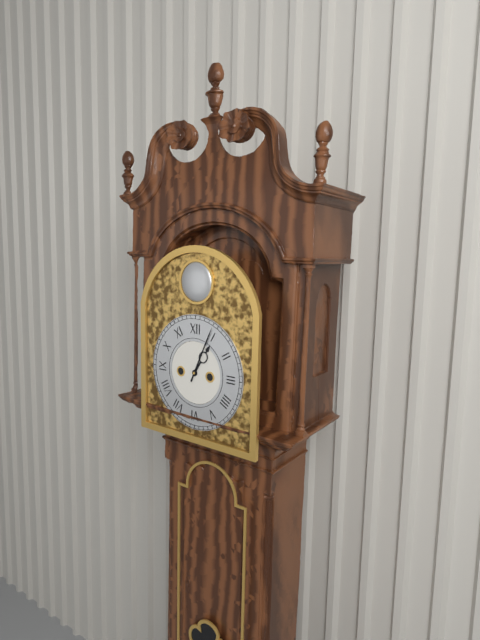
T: 1:04
